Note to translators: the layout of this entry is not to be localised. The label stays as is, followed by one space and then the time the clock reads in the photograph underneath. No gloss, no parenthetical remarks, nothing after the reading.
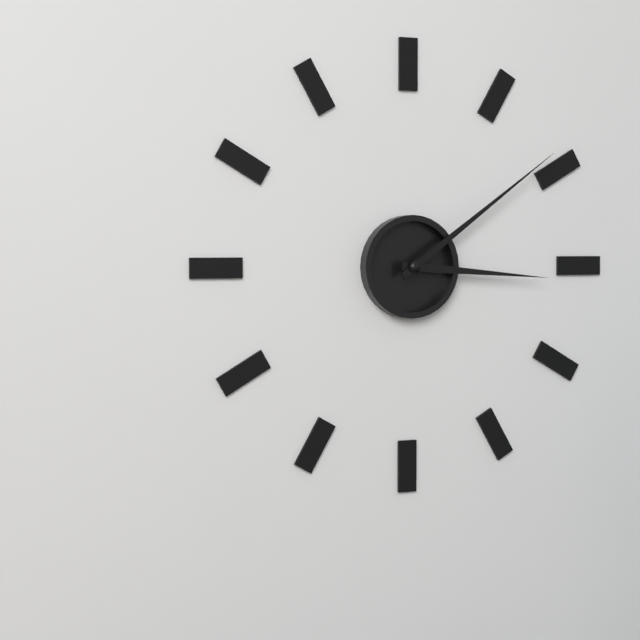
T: 3:09
